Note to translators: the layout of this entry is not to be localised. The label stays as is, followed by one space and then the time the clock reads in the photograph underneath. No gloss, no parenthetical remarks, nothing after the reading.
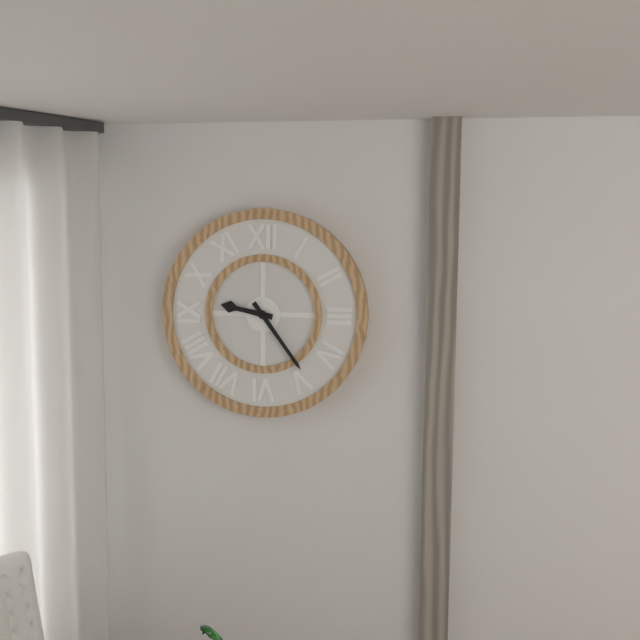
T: 9:24
